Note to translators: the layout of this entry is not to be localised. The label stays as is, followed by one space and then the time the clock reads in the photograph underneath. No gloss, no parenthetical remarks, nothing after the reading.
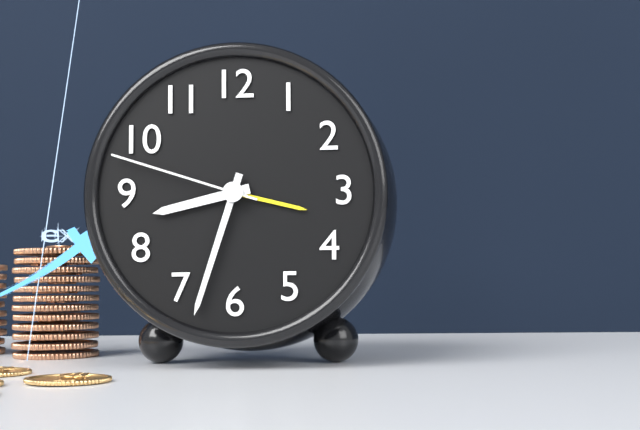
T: 8:33:48
